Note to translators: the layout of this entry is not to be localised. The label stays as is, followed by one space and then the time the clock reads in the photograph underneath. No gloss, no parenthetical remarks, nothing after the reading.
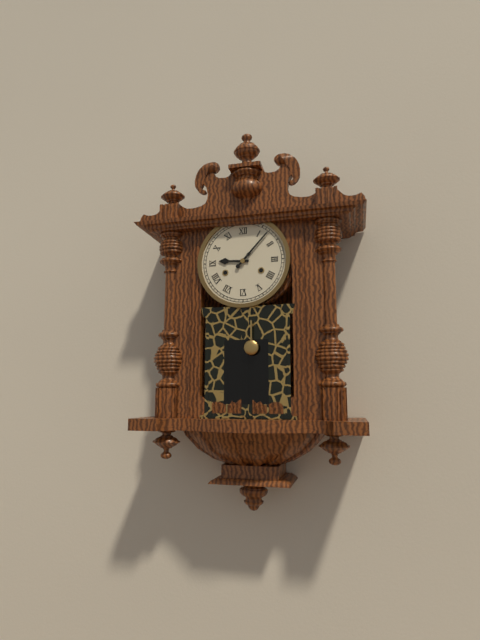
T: 9:07
